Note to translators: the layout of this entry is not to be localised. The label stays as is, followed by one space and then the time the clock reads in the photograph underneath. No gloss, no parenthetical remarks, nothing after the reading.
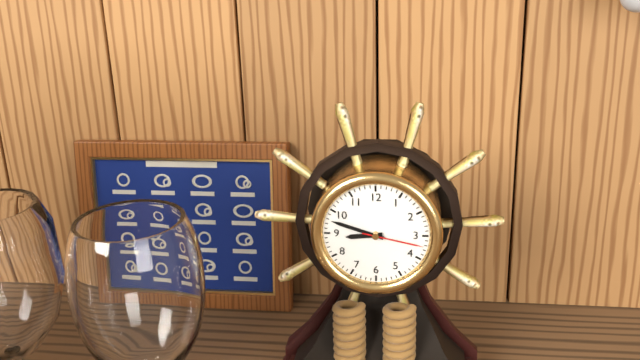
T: 8:48:17
